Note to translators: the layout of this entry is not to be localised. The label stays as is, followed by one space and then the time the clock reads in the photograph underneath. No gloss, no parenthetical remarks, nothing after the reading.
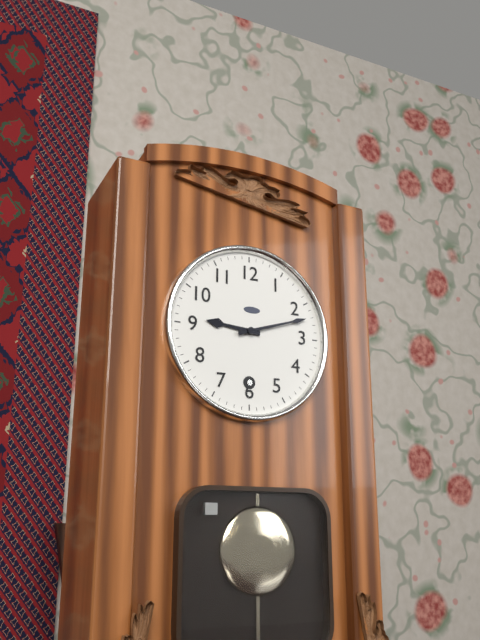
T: 9:12
